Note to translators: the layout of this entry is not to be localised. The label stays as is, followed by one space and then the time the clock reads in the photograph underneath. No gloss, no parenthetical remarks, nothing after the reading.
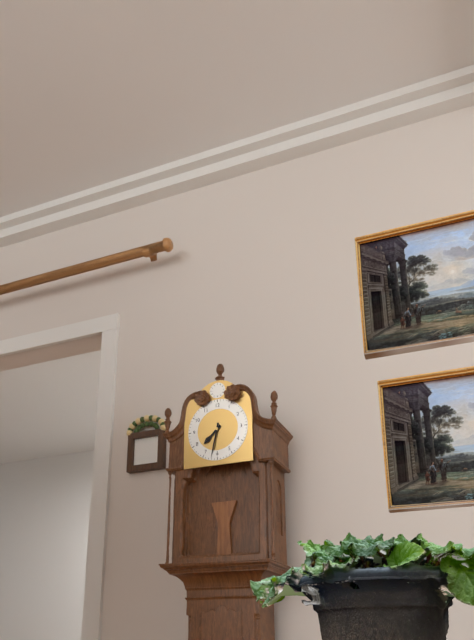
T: 7:32
